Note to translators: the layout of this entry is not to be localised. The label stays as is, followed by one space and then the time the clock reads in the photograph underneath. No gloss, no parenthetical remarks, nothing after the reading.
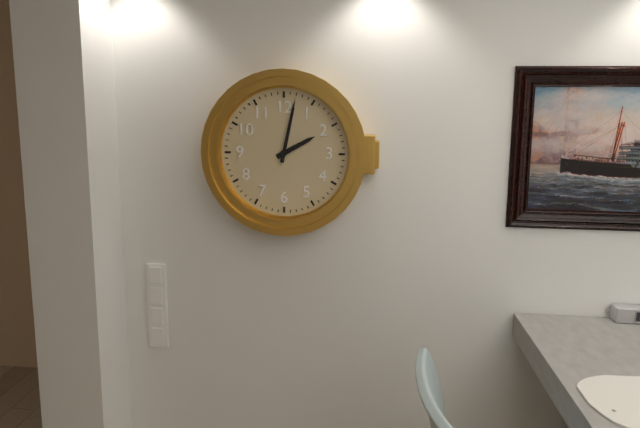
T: 2:02
